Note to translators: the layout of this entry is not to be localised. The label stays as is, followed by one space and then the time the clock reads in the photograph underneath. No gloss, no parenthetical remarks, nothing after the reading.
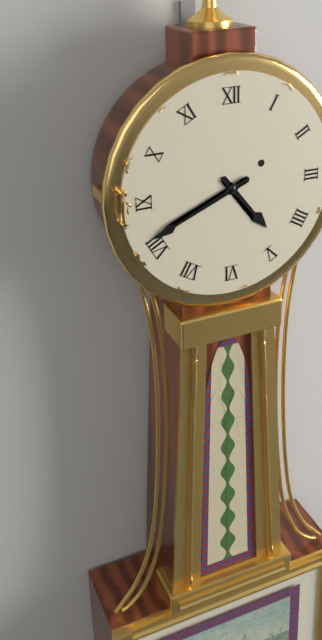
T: 4:41
